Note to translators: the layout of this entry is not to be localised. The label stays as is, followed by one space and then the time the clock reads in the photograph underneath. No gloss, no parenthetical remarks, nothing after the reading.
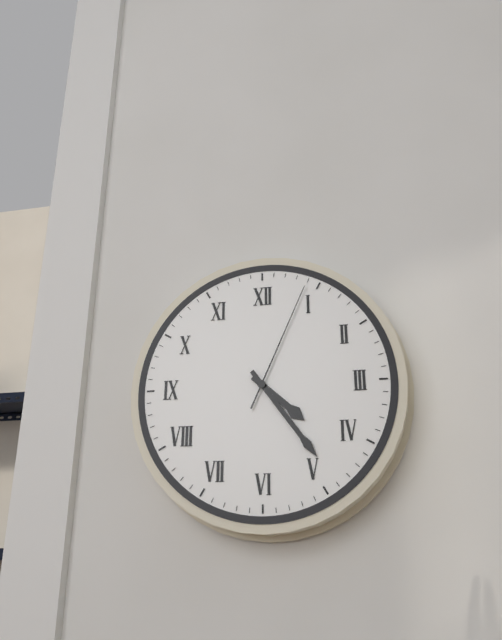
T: 4:24:04
